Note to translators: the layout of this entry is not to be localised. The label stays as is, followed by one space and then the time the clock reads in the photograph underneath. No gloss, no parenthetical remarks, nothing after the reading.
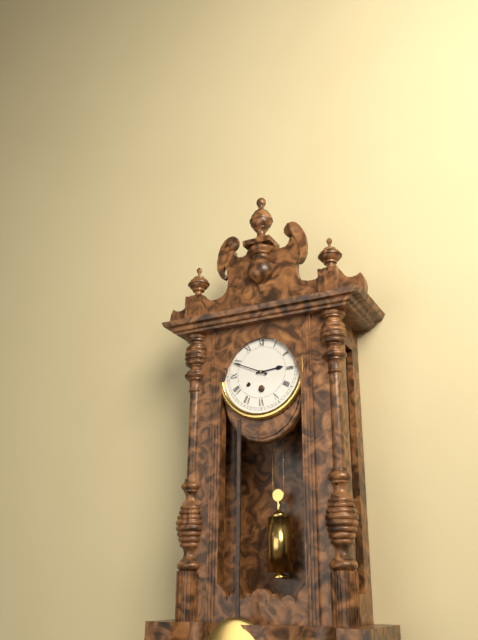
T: 2:49
